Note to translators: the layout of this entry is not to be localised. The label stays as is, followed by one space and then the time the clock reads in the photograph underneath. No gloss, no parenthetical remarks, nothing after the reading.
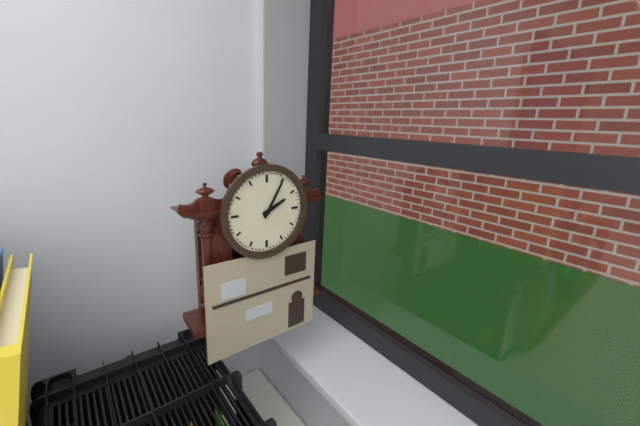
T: 2:05
